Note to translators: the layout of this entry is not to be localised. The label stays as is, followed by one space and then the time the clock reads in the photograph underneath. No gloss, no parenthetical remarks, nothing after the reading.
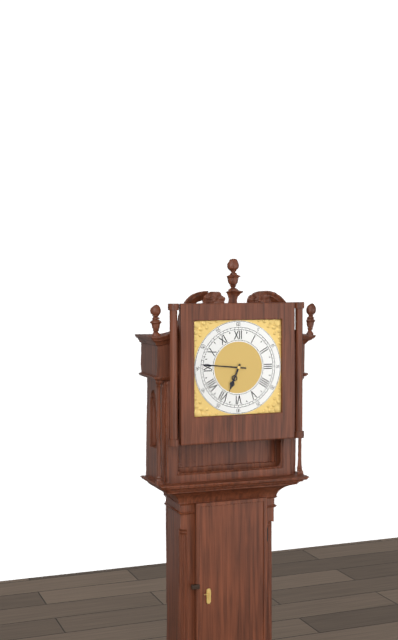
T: 6:46
